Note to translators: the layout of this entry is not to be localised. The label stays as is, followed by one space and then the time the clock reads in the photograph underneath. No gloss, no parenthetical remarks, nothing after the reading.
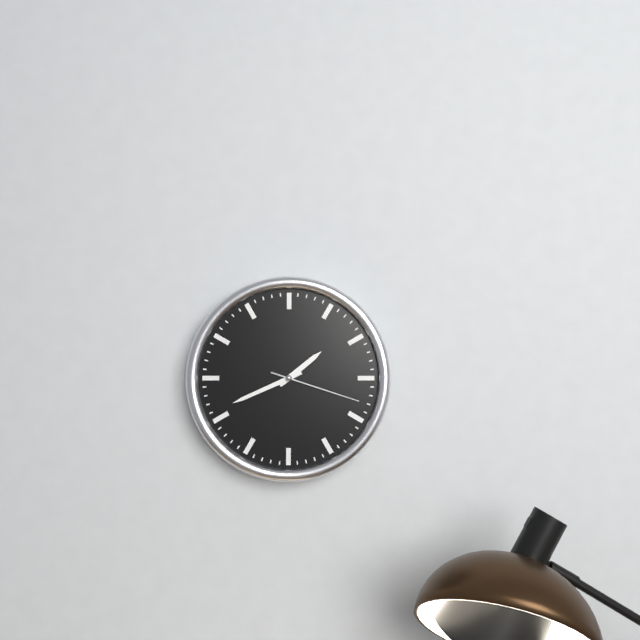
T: 1:41:18
